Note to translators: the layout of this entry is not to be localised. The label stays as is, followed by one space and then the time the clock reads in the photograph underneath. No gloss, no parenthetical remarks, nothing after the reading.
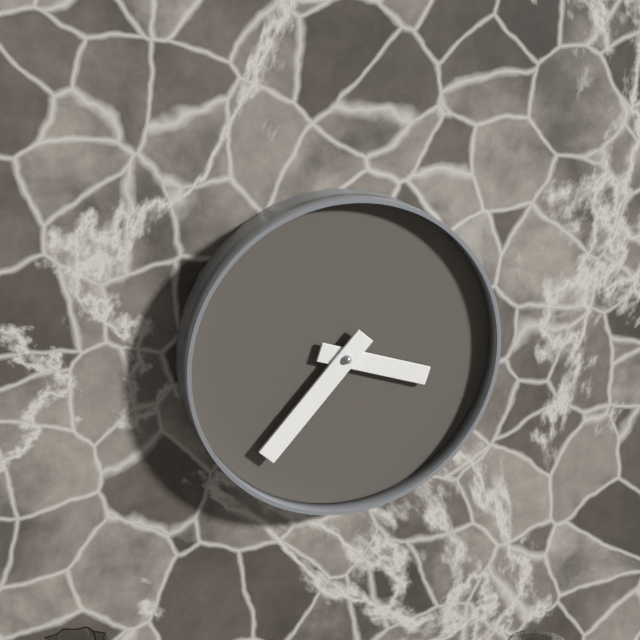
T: 3:37
